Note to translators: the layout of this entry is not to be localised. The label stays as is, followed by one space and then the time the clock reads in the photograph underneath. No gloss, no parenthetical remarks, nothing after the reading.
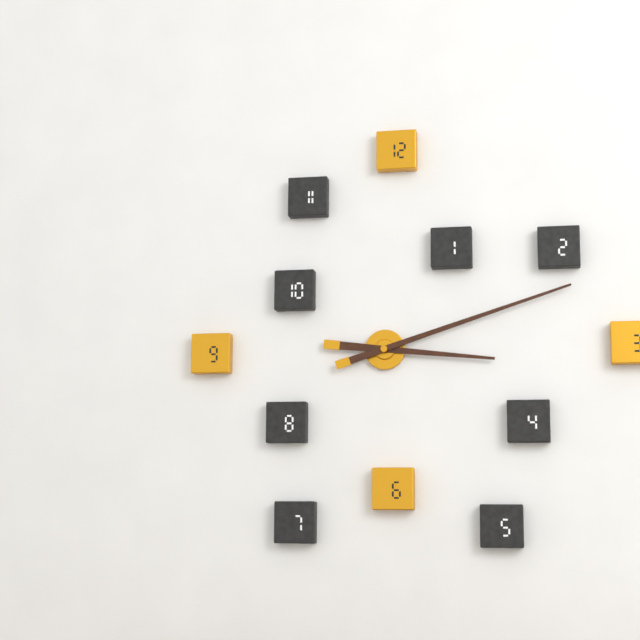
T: 3:12
